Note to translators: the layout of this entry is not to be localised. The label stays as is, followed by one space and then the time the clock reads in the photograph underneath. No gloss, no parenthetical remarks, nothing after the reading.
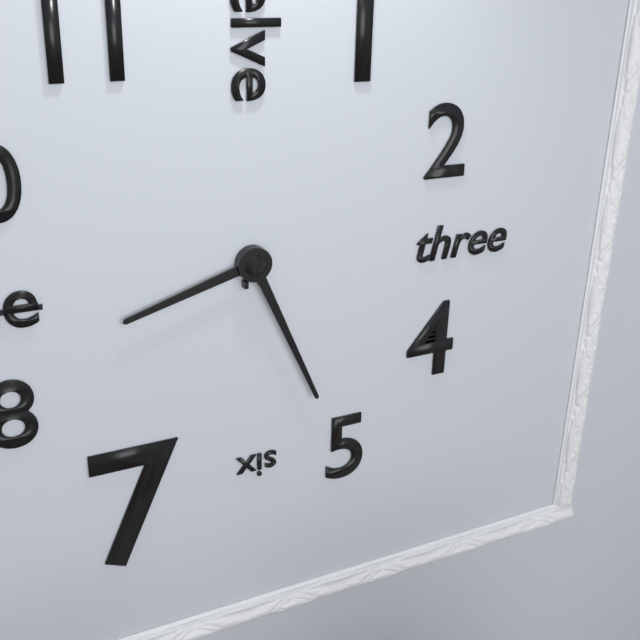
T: 8:26
